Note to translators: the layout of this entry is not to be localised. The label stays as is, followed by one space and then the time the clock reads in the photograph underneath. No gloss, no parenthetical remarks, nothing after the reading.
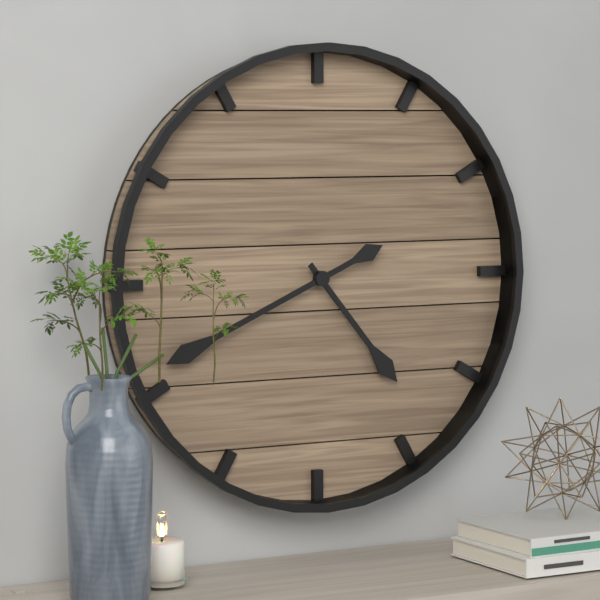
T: 4:41
